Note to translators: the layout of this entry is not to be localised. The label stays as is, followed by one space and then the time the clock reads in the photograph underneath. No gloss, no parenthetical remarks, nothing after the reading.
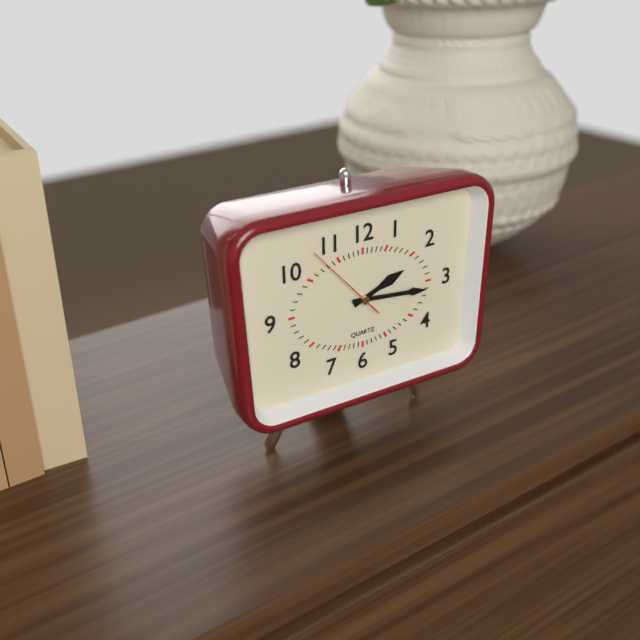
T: 2:16:53
